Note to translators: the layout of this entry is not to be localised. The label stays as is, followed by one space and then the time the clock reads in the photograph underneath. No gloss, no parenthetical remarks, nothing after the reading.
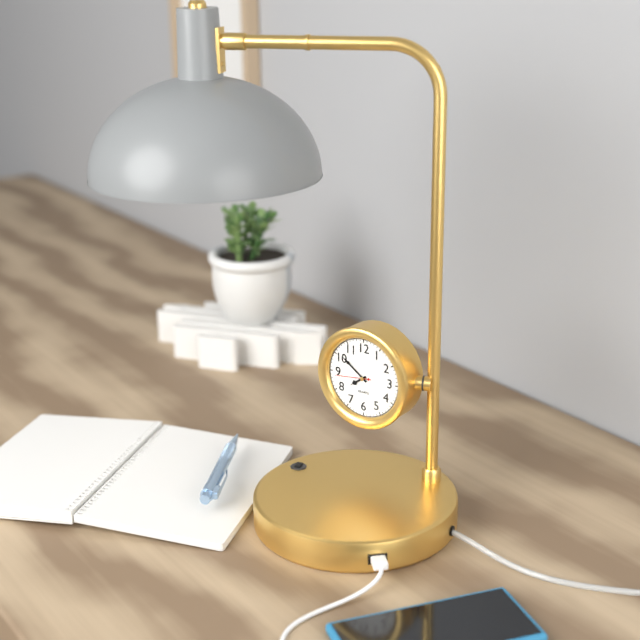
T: 7:51
